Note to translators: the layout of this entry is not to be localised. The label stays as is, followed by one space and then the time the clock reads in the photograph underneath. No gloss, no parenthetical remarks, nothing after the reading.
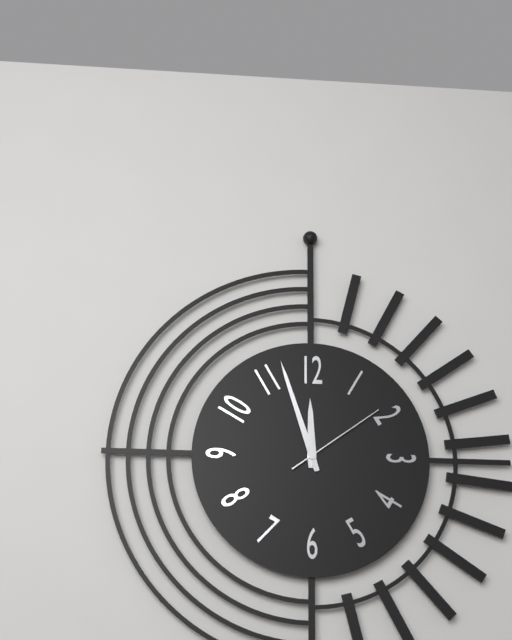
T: 11:57:09
